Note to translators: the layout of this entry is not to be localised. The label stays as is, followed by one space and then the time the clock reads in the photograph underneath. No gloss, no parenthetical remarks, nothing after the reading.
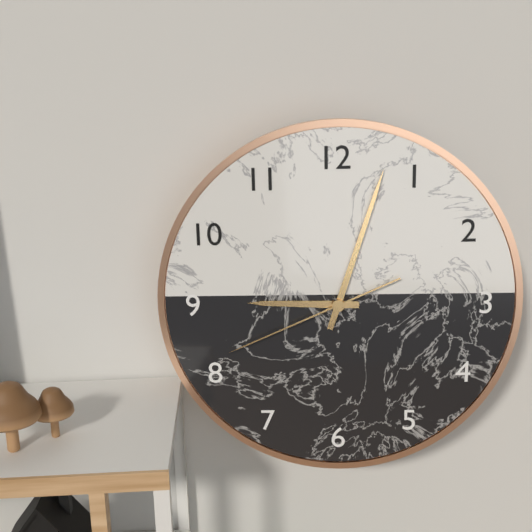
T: 9:03:41
